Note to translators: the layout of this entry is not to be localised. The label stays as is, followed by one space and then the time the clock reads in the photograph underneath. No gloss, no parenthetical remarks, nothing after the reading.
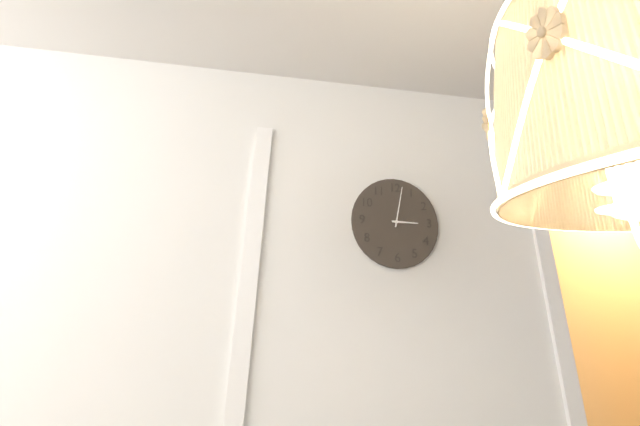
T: 3:02
